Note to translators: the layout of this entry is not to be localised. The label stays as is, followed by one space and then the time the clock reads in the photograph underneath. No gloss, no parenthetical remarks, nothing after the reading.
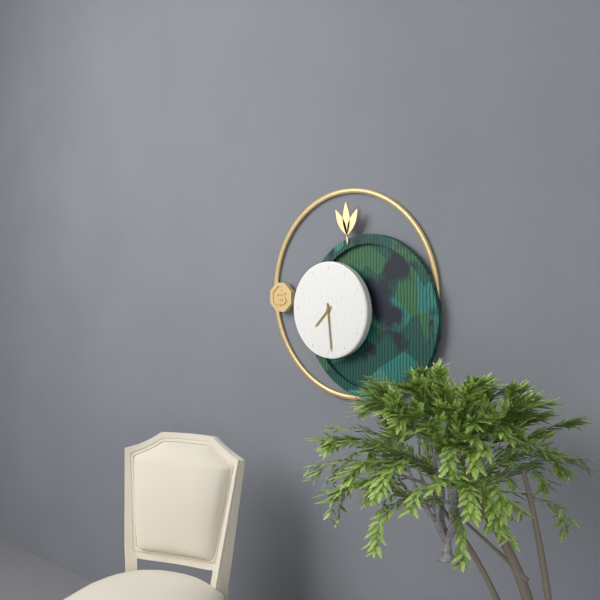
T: 7:29
